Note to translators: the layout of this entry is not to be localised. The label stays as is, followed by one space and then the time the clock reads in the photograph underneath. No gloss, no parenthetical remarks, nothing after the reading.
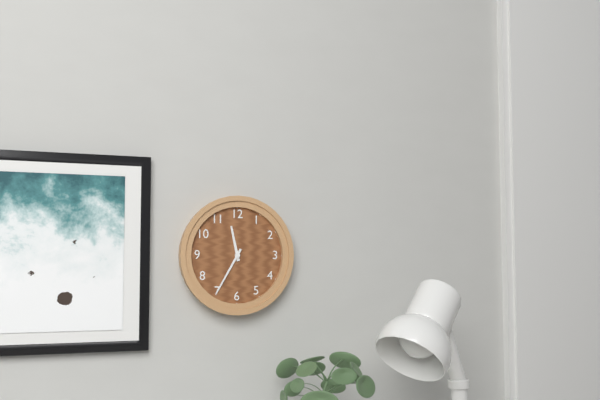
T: 11:35
